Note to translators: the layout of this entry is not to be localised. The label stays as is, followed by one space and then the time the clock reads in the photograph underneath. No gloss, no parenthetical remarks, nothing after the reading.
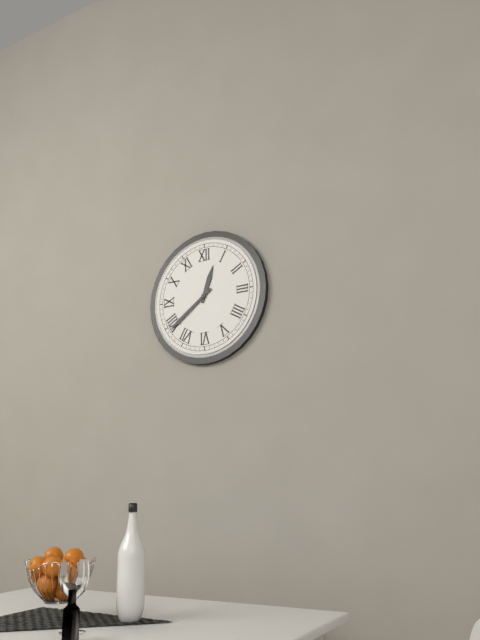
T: 12:39
